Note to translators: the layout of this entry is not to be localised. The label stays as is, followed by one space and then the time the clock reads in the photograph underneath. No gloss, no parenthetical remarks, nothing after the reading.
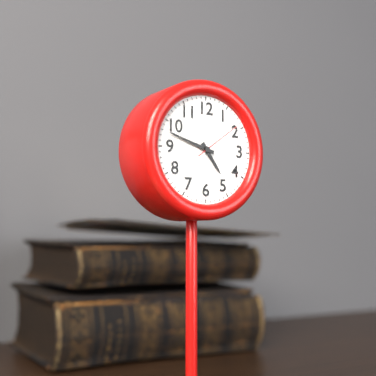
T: 4:48:09
